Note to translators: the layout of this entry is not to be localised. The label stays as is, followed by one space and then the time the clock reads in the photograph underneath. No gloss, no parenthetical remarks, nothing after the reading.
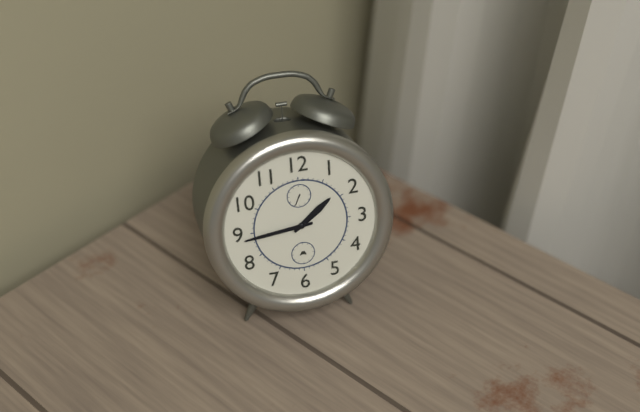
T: 1:44
